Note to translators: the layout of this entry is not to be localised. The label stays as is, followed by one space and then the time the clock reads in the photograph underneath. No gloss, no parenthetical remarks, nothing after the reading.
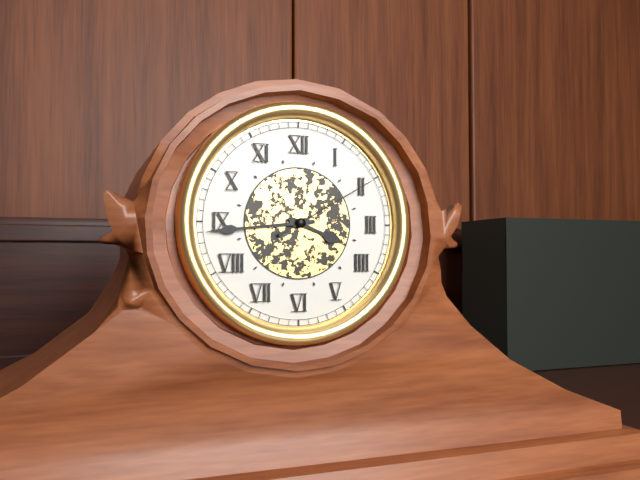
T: 3:44:10
